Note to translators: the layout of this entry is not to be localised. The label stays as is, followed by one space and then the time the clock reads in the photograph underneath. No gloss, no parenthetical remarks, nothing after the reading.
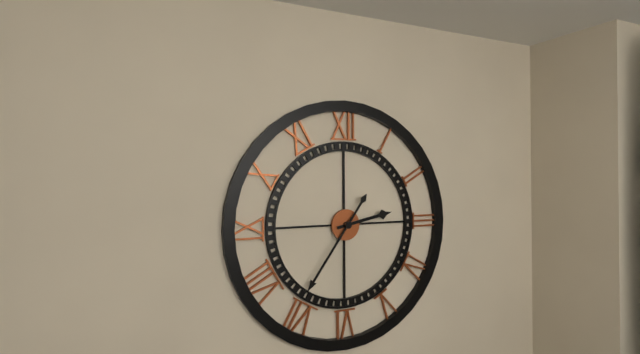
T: 2:36
